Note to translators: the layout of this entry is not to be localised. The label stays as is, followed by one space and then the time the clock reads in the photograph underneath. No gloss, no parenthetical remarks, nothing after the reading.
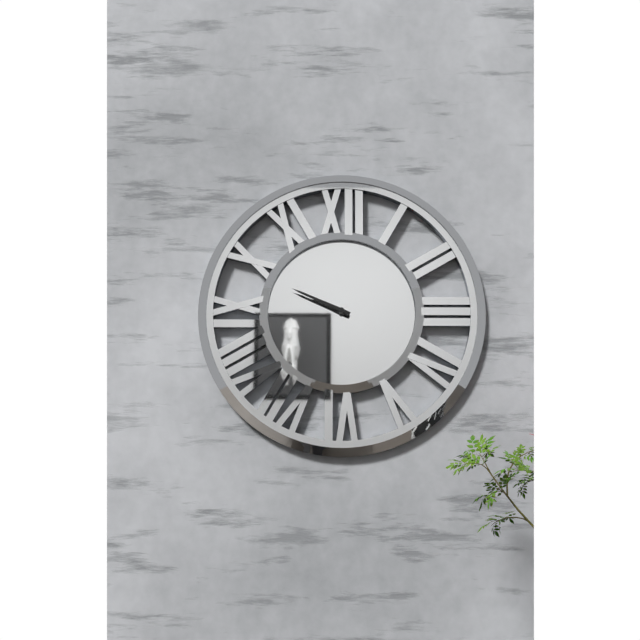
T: 9:49
